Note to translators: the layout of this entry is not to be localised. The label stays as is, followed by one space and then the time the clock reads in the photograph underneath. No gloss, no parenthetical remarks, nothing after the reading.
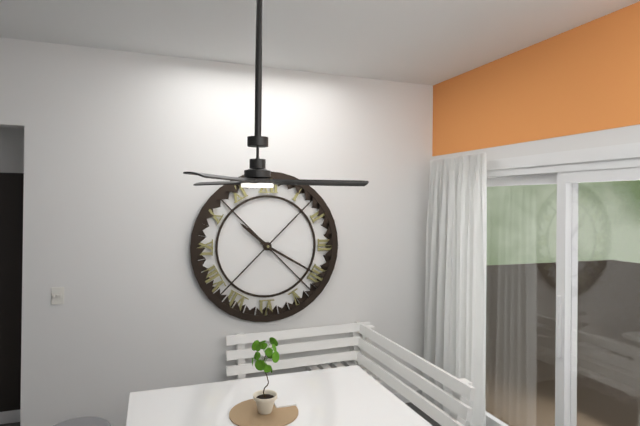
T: 10:20
